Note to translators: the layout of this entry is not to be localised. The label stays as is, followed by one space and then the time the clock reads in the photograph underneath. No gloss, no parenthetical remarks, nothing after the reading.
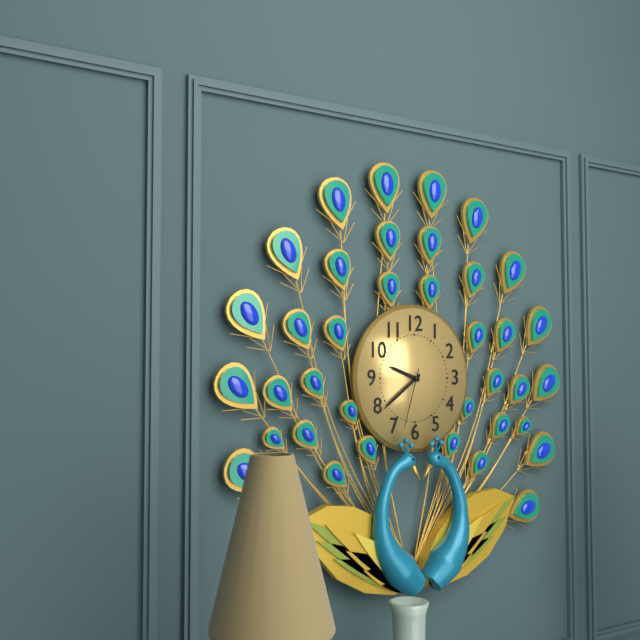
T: 9:39:33
